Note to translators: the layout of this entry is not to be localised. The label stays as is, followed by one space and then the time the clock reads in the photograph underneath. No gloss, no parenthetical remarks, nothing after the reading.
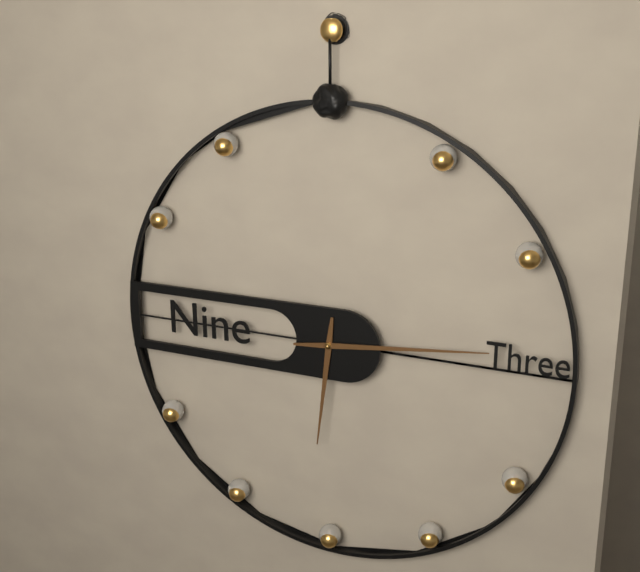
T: 6:14
